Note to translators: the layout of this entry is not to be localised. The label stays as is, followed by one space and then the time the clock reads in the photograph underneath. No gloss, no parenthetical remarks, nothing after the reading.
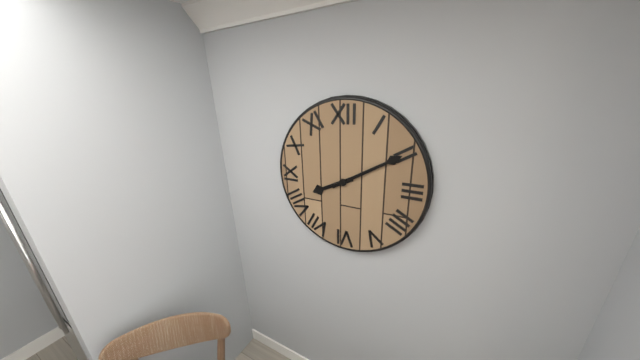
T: 8:10
